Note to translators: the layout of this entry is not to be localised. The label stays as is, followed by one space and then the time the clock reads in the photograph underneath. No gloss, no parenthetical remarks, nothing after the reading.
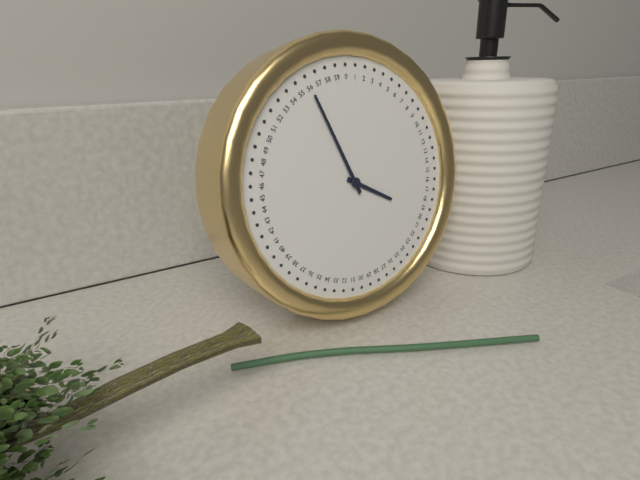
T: 3:56
